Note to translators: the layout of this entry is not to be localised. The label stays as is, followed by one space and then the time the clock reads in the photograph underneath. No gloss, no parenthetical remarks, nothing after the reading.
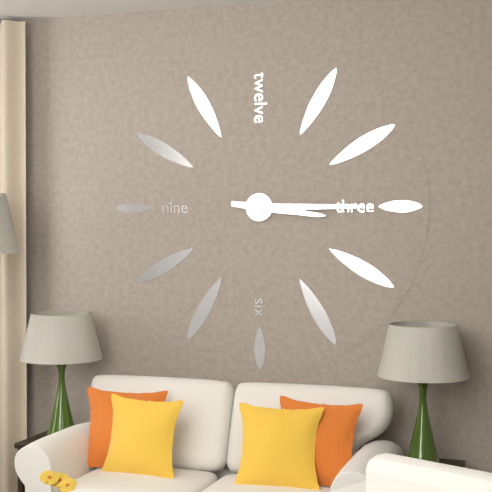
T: 3:15
